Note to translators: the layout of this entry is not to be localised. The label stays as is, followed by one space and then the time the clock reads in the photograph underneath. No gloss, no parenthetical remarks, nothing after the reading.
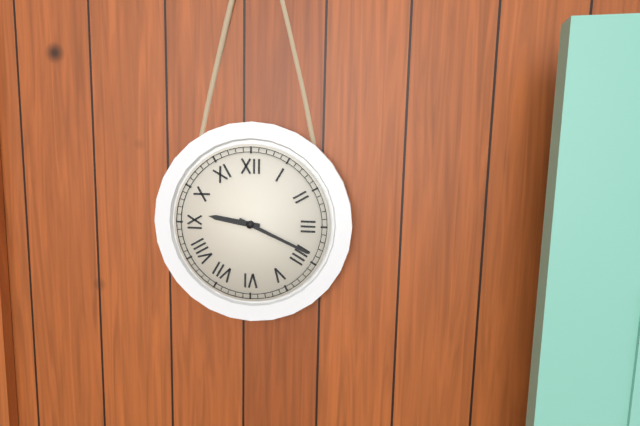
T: 9:19
